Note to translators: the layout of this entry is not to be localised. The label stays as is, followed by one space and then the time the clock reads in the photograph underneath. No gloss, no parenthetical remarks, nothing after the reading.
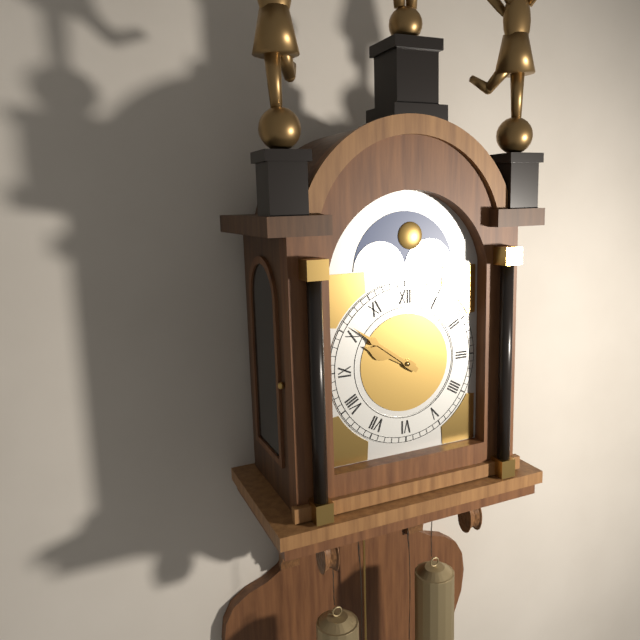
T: 9:51
